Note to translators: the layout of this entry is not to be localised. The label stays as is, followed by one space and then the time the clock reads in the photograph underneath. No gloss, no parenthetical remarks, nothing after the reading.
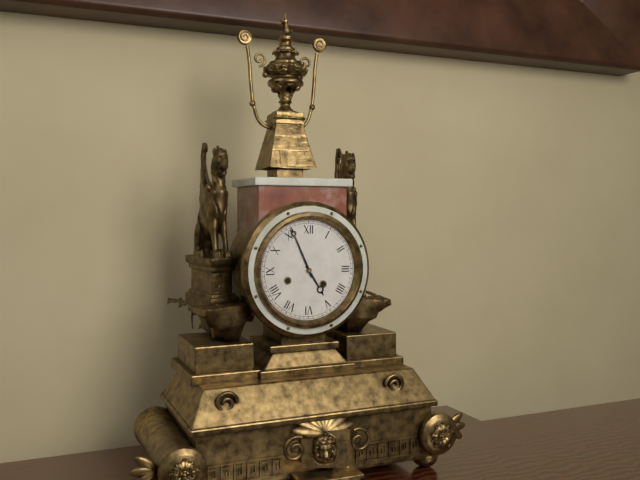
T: 4:56
